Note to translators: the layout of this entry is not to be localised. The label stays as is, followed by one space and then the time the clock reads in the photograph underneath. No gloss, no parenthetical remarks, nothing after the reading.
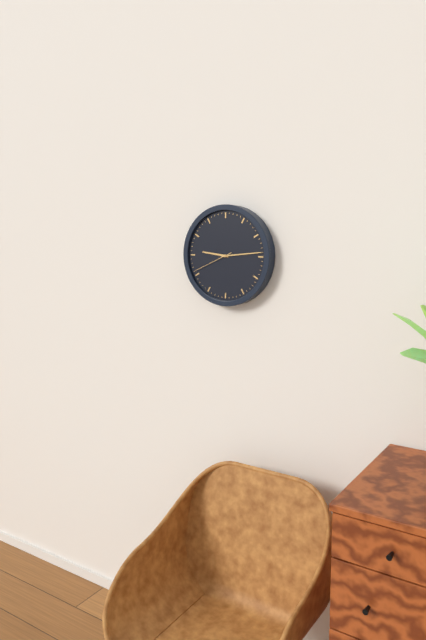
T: 9:14
